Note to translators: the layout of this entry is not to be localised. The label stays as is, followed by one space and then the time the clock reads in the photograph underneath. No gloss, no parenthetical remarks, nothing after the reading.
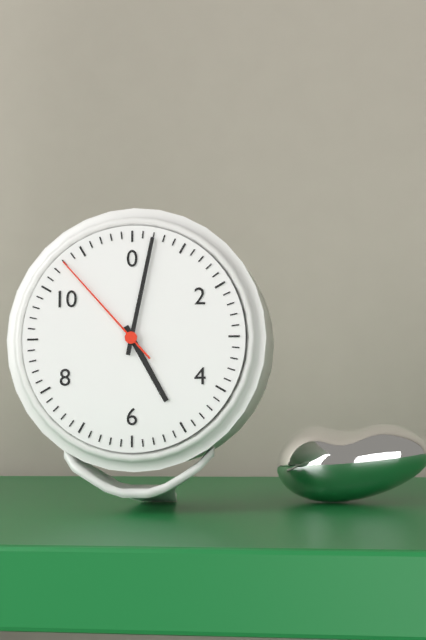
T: 5:02:53
